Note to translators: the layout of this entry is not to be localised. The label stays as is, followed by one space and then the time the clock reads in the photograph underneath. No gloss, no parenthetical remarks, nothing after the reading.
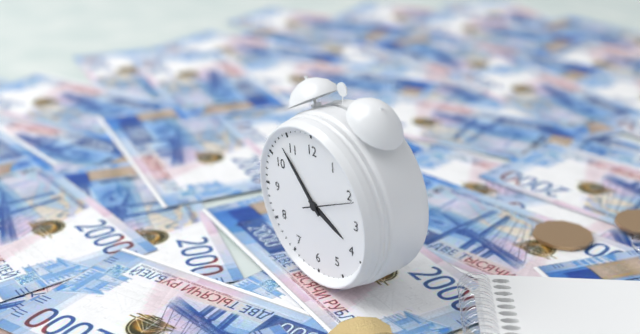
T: 3:53:11
